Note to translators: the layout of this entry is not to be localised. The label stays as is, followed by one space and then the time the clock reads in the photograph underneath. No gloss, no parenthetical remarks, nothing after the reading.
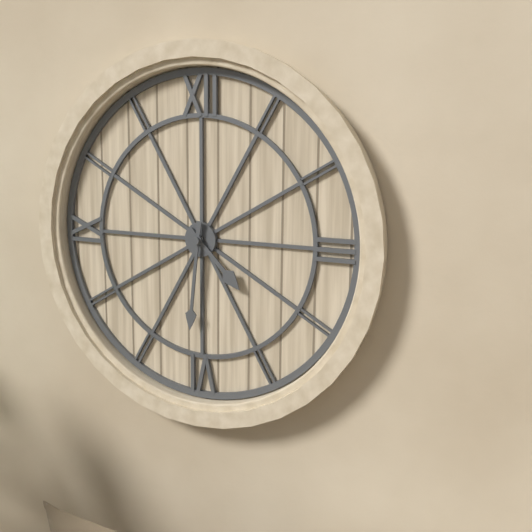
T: 4:31
